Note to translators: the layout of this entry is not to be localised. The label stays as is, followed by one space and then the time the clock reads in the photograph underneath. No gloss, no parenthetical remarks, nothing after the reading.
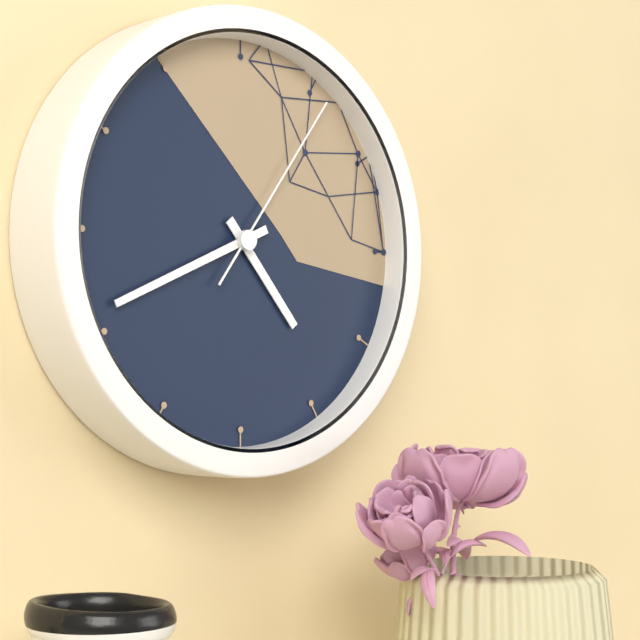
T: 4:41:06
